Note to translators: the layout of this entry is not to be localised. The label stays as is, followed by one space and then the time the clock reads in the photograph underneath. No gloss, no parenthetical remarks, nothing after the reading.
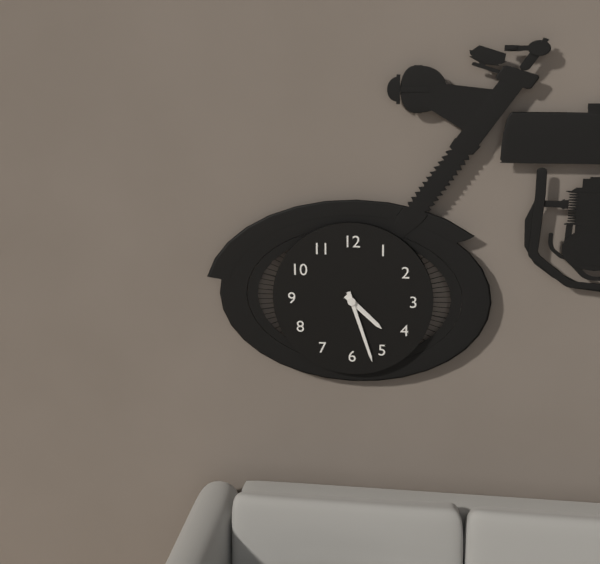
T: 4:27
